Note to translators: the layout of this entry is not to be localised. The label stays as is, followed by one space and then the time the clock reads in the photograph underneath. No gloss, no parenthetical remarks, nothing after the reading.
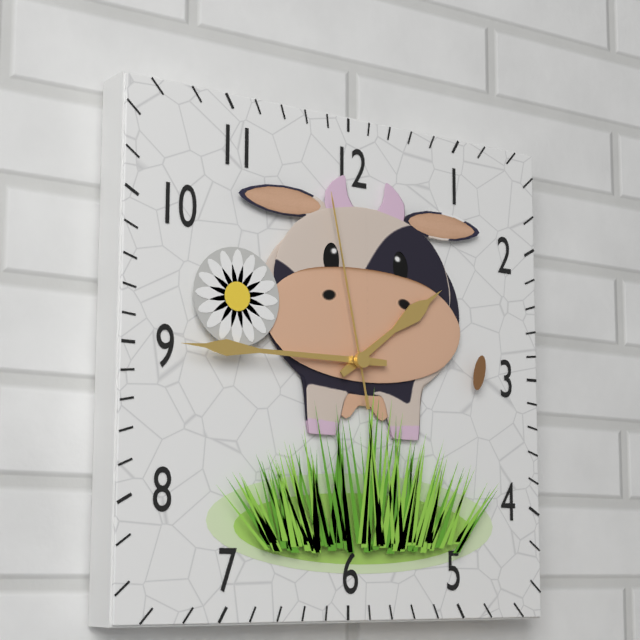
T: 1:45:58
